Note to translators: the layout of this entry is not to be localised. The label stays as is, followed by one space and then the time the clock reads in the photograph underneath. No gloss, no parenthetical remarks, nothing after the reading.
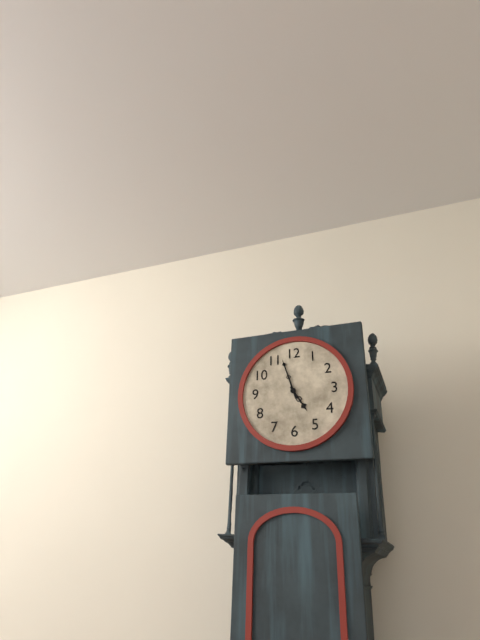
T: 4:57
